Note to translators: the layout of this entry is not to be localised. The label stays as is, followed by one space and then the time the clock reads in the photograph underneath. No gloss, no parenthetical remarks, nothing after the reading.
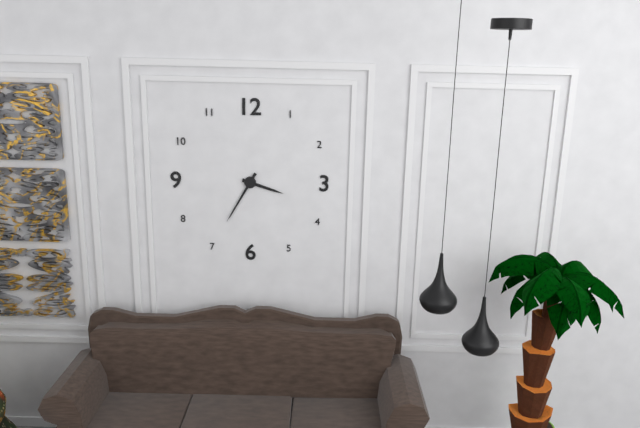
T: 3:35
